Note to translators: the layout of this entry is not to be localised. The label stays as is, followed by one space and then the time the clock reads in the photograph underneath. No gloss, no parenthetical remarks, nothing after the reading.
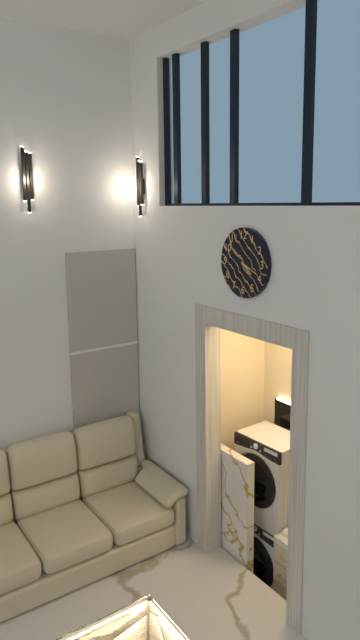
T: 4:19
